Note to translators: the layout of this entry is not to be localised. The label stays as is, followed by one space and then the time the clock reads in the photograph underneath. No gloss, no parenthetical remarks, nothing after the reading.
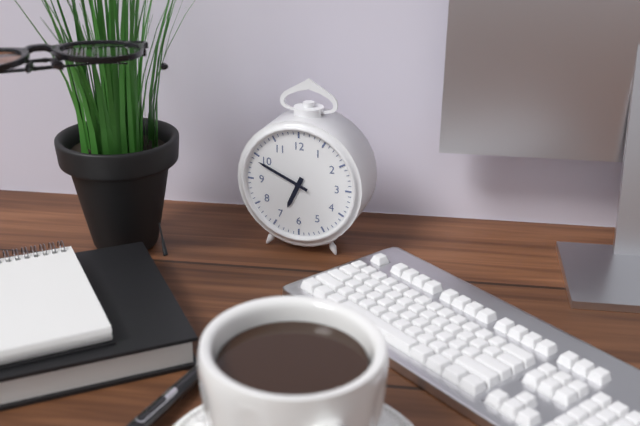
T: 6:49
